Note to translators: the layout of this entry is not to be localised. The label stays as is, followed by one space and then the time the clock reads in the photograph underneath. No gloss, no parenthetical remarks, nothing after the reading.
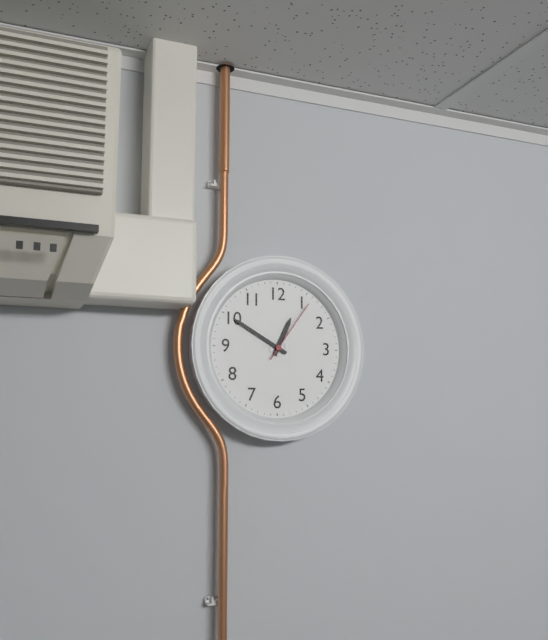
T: 12:50:06
